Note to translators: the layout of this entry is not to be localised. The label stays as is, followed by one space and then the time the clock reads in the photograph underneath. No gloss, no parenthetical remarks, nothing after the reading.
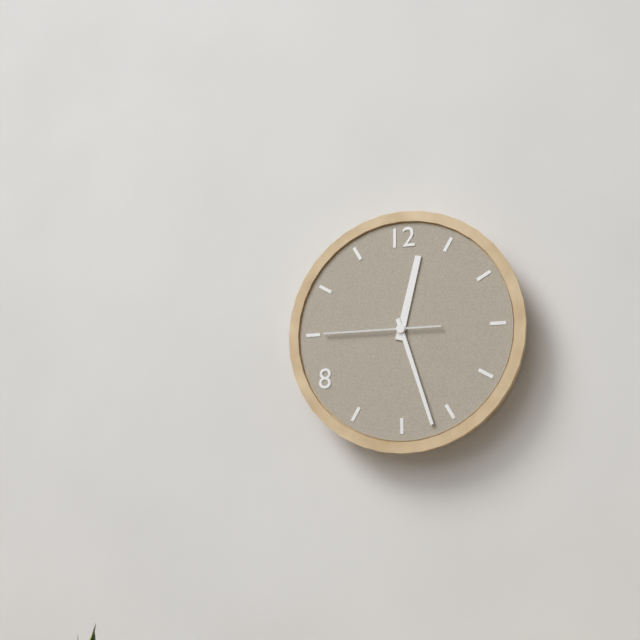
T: 12:27:45
